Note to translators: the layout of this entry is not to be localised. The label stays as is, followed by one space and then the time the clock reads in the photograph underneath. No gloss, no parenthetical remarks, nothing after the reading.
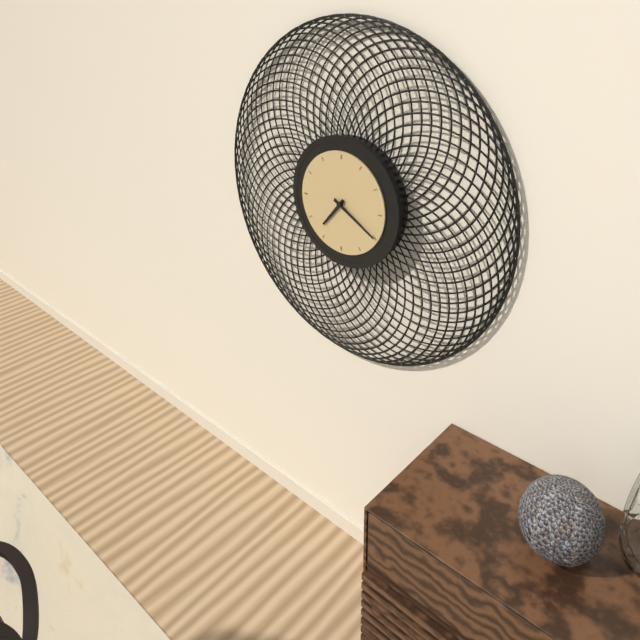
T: 7:20
